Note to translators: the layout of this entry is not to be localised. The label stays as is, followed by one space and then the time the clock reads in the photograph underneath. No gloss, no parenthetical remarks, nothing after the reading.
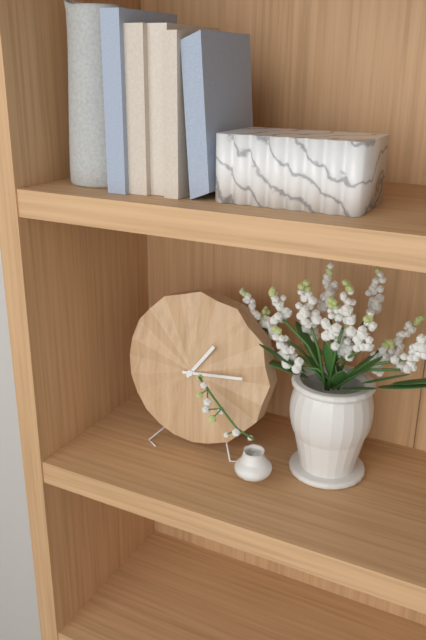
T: 1:14
